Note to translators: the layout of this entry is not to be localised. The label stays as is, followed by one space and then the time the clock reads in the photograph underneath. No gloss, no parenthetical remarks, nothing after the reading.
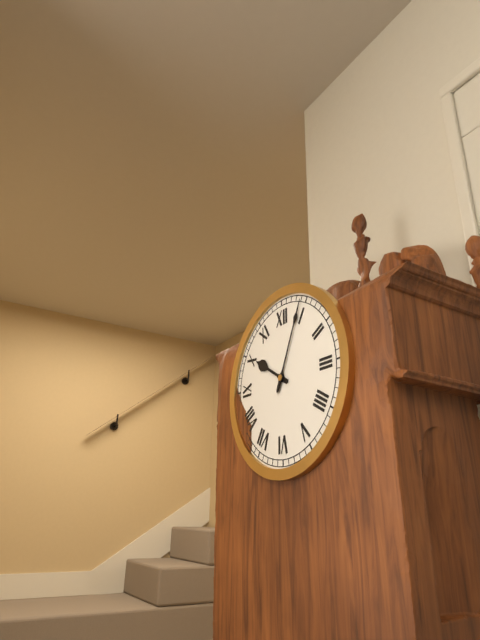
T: 10:04
